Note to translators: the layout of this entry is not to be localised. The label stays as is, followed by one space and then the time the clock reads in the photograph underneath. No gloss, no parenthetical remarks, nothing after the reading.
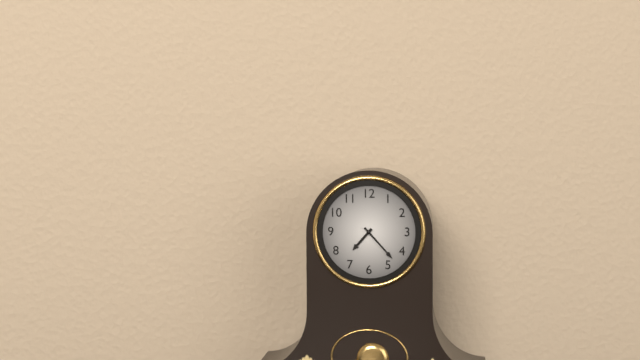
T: 7:23
